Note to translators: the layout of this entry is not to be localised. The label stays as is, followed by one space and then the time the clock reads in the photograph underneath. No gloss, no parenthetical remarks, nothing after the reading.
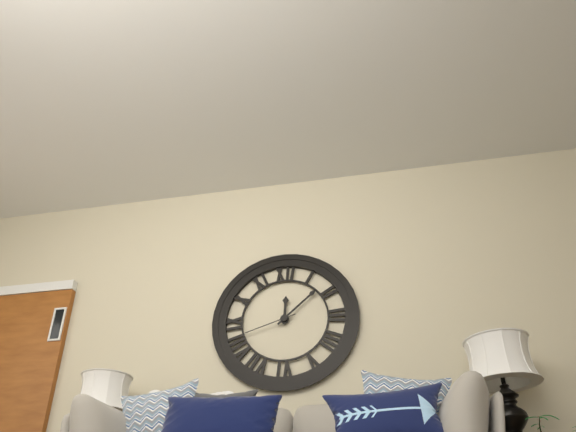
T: 12:08:42
